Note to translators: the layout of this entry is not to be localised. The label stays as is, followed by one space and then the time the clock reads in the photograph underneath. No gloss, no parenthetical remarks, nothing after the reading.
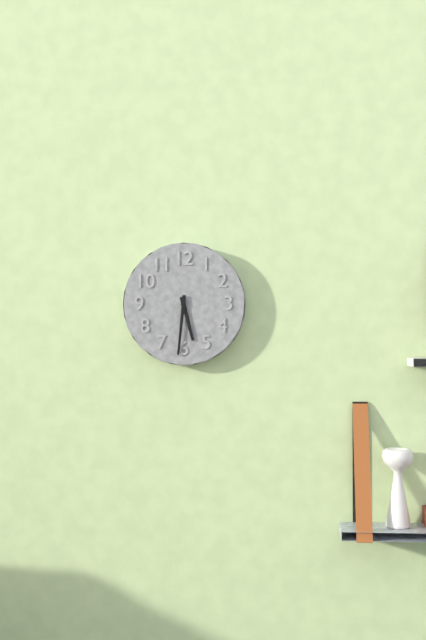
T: 5:31
